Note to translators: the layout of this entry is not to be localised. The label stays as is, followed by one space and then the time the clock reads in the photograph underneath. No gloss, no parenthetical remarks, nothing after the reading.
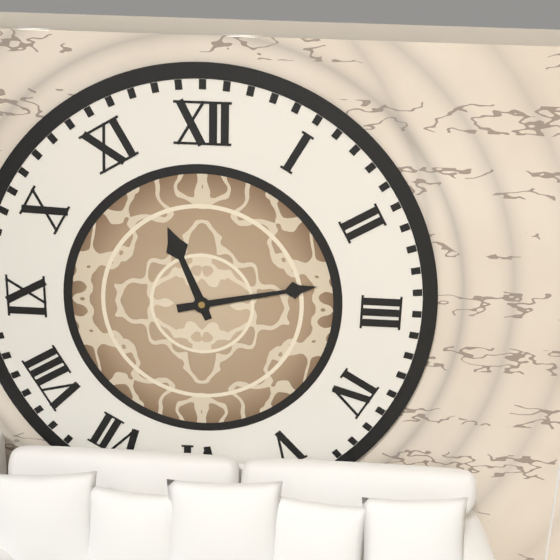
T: 11:13
